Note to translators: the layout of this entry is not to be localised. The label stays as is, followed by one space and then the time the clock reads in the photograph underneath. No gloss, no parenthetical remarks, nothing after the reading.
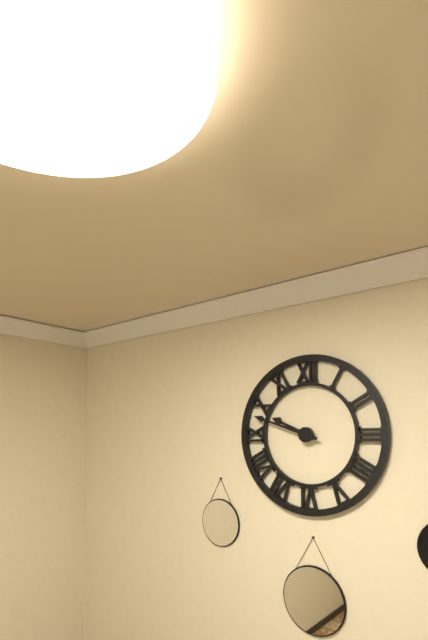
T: 9:48
